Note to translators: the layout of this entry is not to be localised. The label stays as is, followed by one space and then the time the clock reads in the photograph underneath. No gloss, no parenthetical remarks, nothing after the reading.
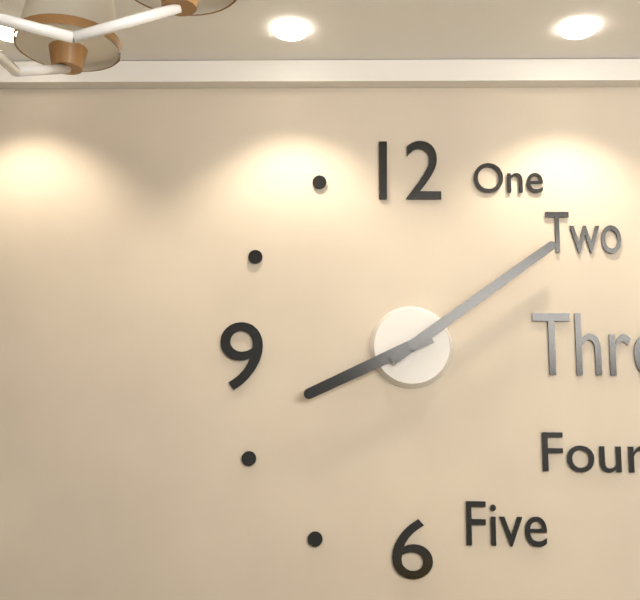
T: 8:09
